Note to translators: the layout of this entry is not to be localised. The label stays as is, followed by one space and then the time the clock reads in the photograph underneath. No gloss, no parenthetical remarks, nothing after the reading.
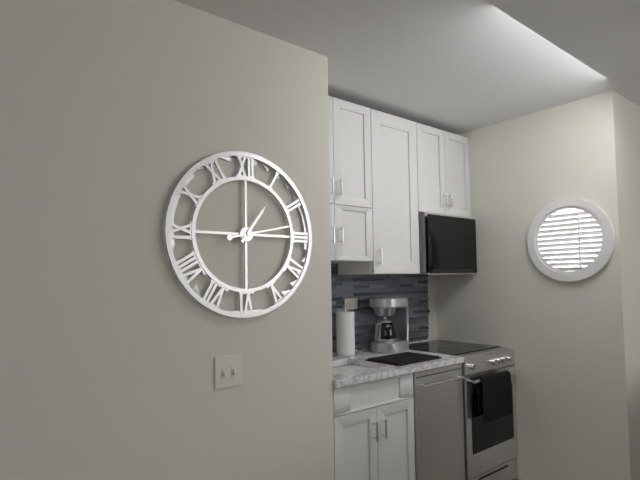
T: 1:13
